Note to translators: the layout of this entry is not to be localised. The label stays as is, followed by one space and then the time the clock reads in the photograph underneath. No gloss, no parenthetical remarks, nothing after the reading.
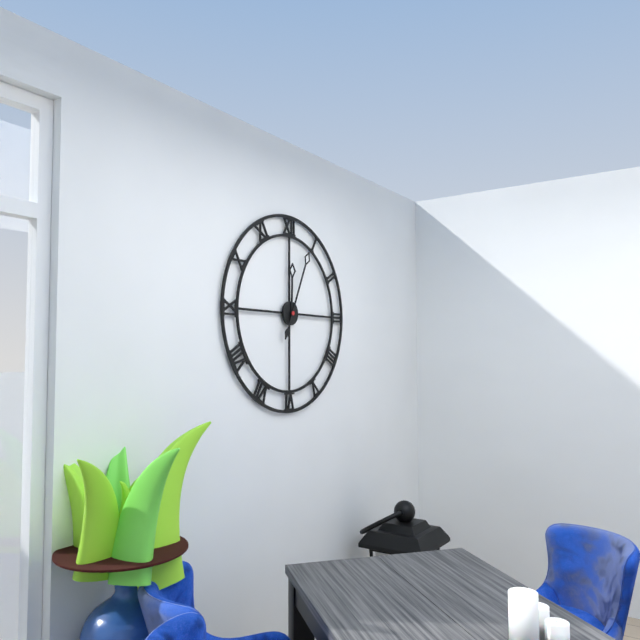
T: 12:04
